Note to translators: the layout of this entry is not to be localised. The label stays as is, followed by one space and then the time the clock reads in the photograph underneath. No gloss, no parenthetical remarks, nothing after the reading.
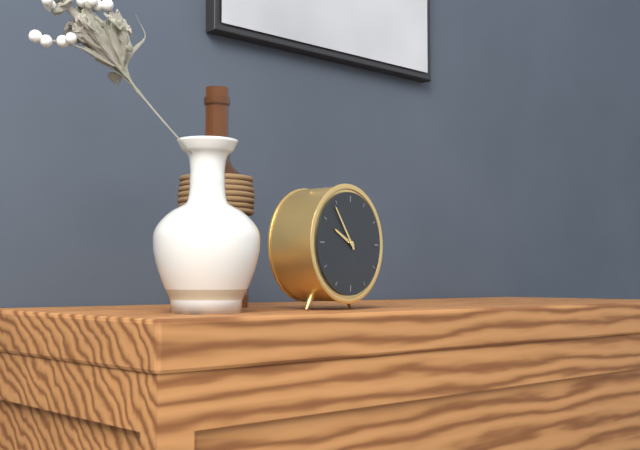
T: 9:54
